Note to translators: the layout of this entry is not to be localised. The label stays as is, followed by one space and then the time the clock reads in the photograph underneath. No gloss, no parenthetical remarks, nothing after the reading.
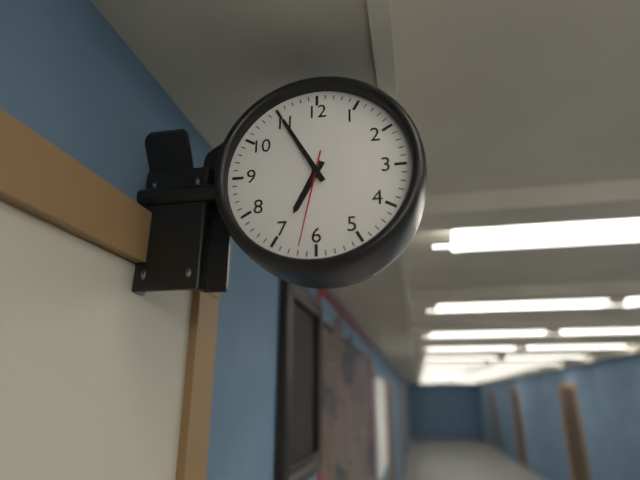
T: 6:55:32
